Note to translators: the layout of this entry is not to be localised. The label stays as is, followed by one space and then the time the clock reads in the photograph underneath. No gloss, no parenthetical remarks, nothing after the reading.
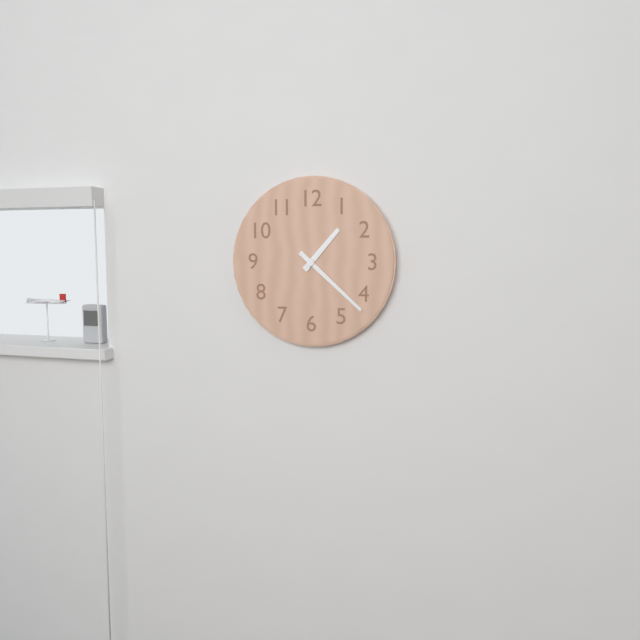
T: 1:22
